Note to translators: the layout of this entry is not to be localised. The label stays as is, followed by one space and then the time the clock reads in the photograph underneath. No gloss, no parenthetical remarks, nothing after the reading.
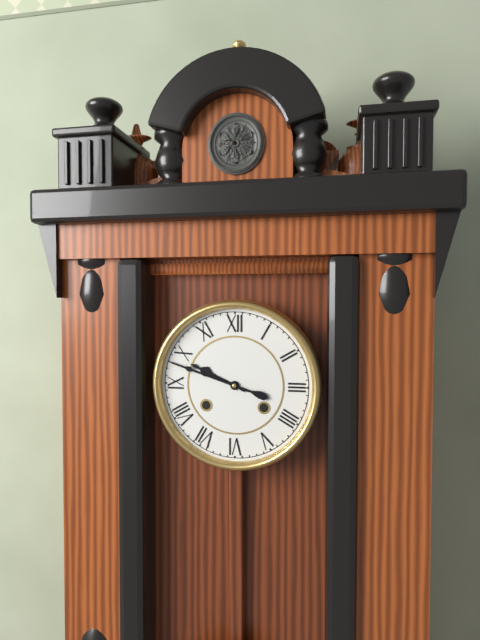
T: 9:48
